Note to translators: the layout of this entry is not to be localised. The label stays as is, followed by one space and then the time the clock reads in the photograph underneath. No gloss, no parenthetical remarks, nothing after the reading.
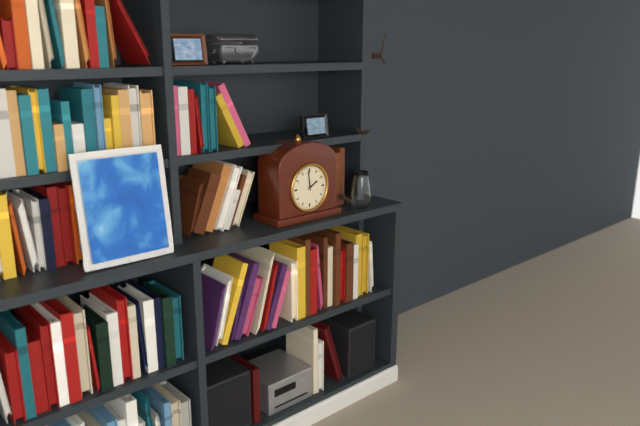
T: 1:59
